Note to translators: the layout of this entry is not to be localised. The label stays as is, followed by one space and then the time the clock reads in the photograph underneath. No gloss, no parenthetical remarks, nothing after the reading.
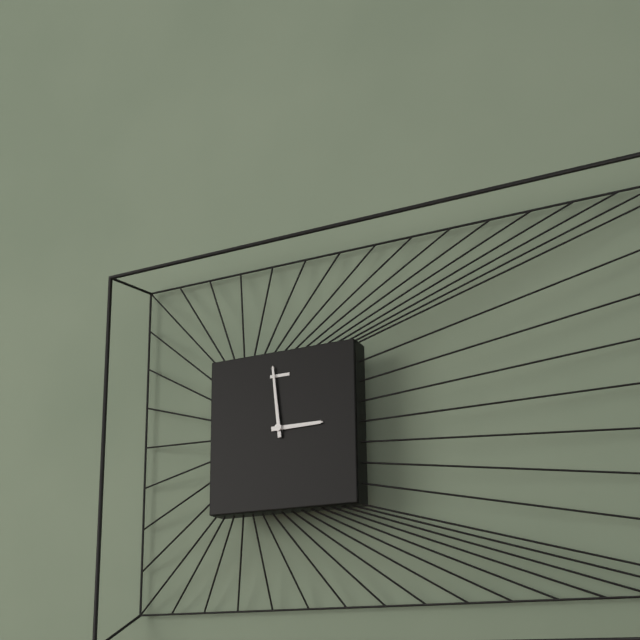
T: 2:59
